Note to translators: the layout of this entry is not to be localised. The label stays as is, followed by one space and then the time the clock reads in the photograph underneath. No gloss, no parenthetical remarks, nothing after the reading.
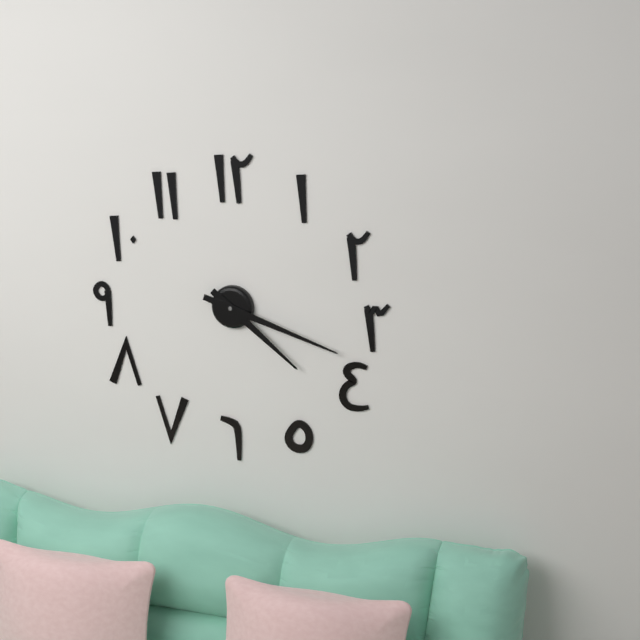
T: 4:18
